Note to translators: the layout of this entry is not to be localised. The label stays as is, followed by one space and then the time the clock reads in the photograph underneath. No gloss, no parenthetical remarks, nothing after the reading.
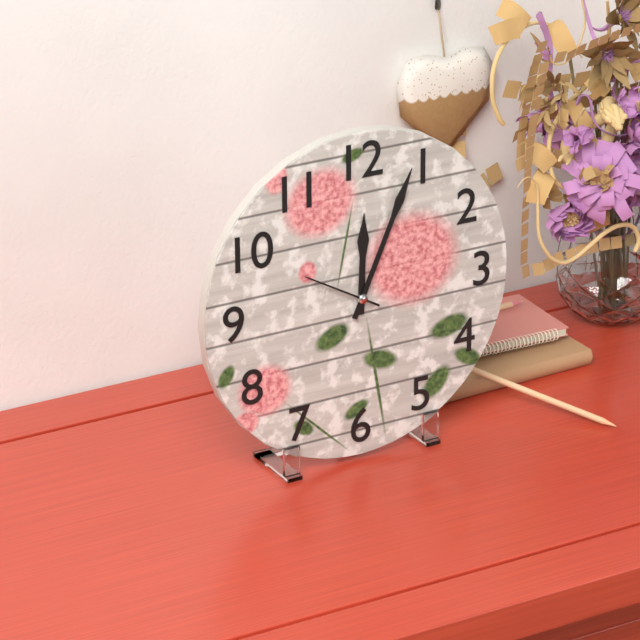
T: 12:04:50
